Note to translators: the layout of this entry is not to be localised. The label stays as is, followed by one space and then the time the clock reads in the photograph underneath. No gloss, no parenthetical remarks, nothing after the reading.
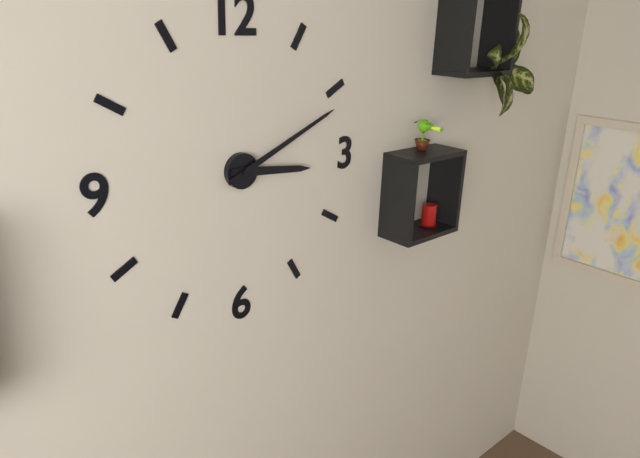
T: 3:11
